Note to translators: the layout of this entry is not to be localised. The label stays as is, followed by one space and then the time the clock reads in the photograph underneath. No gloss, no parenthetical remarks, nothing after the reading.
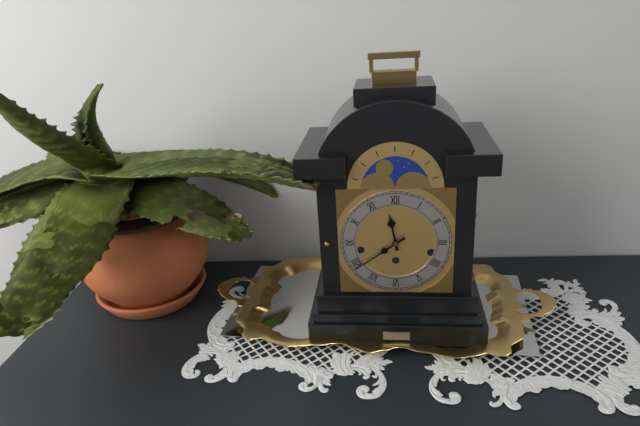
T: 11:39
